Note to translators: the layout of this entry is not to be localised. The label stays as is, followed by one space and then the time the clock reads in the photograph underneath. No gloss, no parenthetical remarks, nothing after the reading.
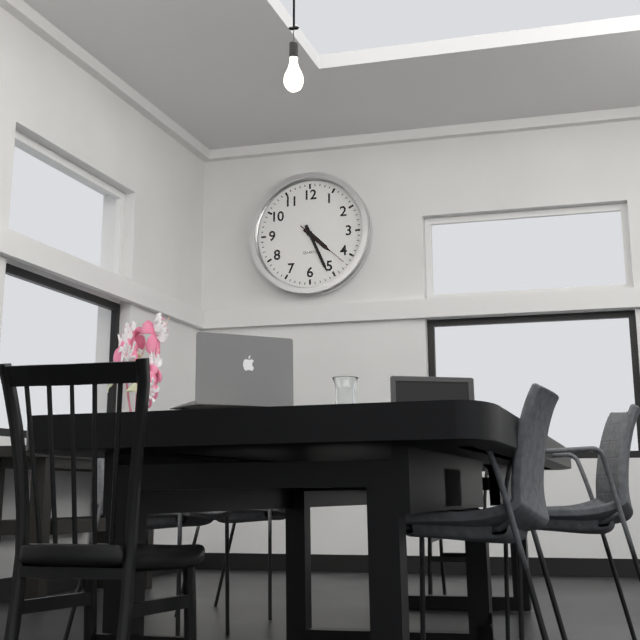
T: 4:26:22
